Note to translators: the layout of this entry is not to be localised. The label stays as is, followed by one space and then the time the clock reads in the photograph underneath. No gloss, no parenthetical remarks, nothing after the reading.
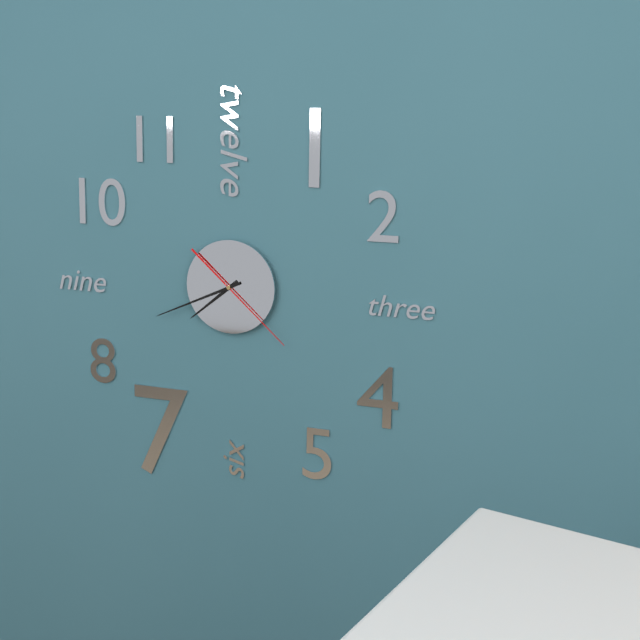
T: 7:41:22
